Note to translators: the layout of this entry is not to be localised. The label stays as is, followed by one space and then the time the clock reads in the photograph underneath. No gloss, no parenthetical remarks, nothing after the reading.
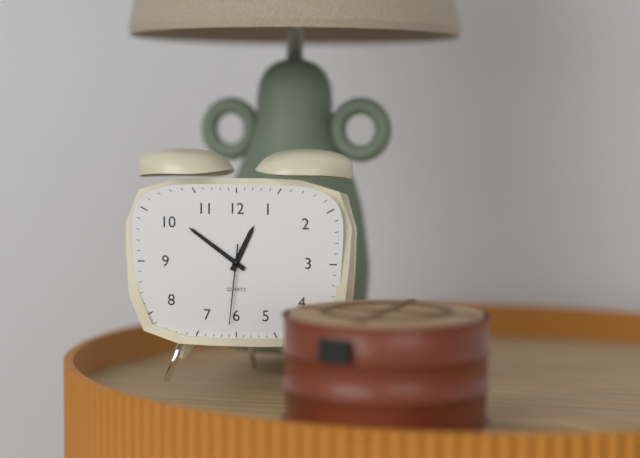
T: 12:51:31
